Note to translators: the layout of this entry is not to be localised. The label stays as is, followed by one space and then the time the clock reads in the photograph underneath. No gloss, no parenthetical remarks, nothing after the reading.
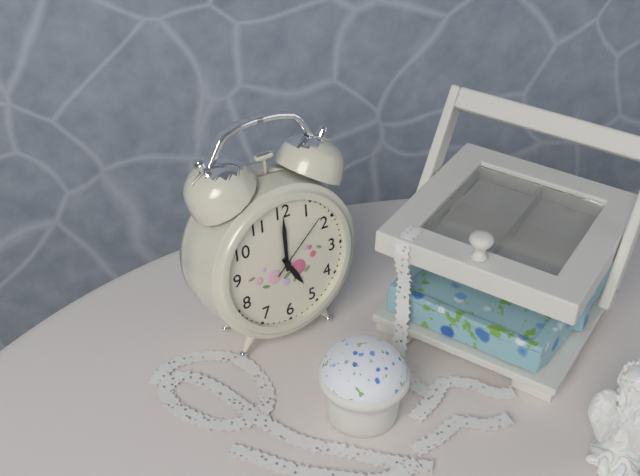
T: 5:00:08
